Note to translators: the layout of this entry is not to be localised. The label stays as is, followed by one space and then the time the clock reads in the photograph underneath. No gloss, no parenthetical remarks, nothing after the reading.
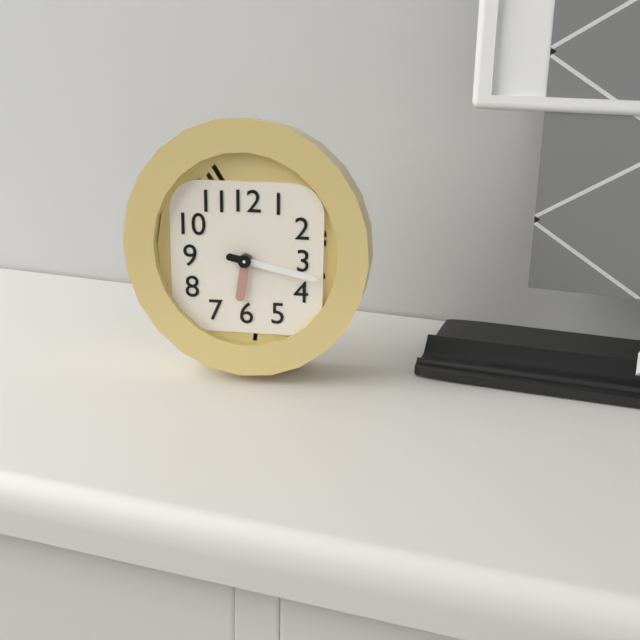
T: 6:17
